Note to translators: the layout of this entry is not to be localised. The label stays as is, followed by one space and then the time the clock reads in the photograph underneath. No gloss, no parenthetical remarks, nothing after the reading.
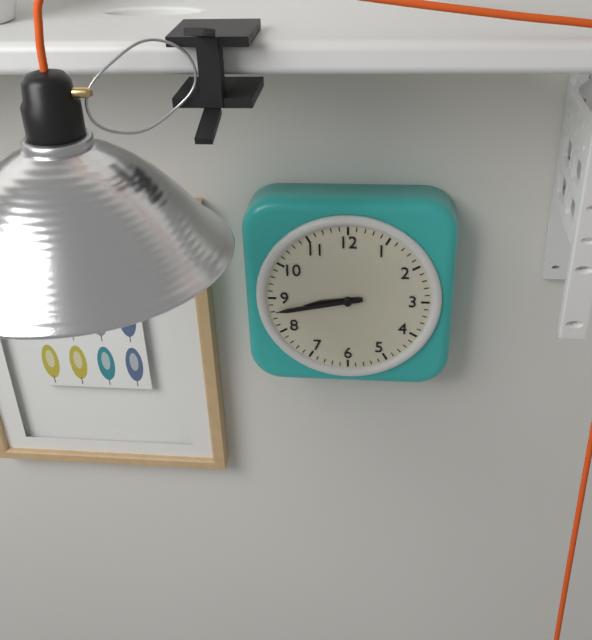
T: 8:43
